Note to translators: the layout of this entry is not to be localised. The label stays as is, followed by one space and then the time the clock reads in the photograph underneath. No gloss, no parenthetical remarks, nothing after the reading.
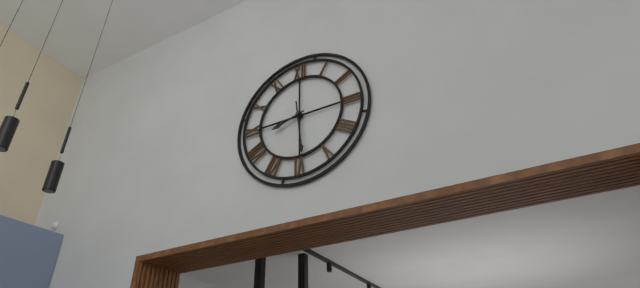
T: 8:29
